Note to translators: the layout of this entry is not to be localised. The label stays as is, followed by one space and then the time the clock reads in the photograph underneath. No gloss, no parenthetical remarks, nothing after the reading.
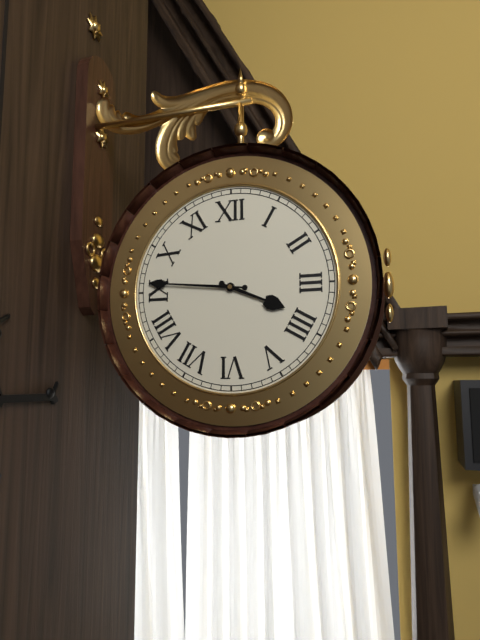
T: 3:46
